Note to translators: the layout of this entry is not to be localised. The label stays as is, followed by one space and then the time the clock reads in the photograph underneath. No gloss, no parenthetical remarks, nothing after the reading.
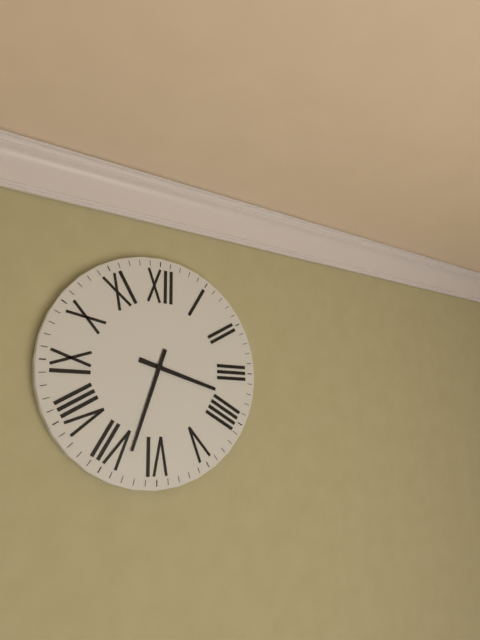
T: 3:33
